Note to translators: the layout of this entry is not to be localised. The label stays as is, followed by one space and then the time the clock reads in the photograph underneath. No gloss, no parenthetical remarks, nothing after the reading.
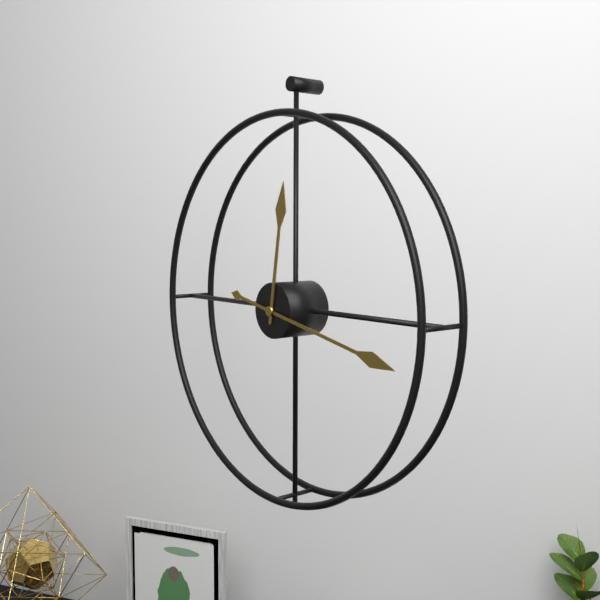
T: 12:17
